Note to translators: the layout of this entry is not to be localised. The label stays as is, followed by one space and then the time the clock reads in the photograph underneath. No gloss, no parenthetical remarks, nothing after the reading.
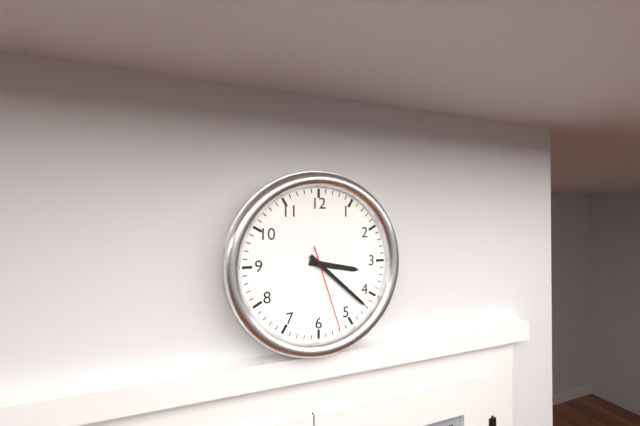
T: 3:22:27
